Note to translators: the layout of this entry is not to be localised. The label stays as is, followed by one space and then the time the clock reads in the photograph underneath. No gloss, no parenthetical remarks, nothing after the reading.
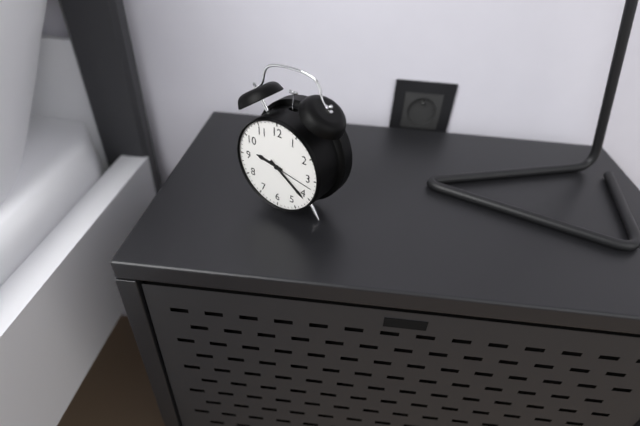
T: 9:21:17
